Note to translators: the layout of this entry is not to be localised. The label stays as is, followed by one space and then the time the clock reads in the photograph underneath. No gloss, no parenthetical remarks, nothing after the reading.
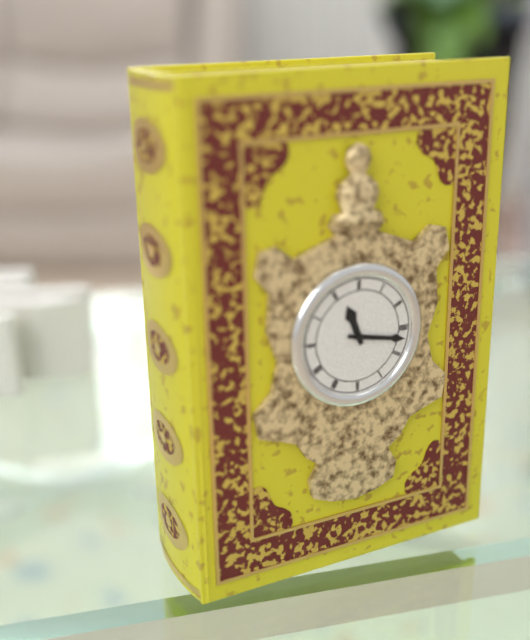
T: 11:17
